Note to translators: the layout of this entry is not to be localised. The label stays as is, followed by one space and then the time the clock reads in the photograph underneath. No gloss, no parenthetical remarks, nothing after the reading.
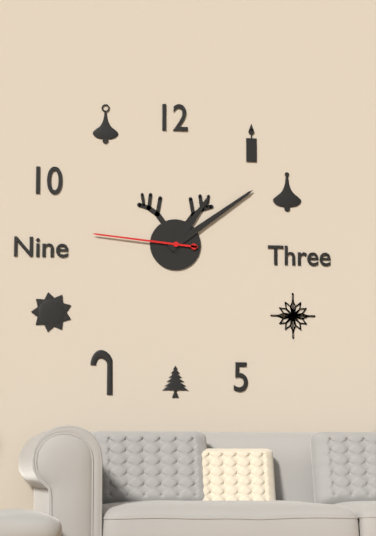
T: 1:09:46
